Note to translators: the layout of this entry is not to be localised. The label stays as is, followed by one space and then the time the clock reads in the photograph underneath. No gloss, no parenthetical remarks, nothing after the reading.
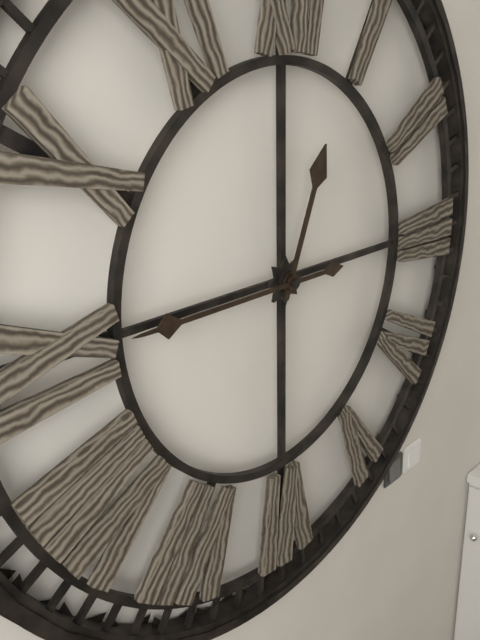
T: 12:45
